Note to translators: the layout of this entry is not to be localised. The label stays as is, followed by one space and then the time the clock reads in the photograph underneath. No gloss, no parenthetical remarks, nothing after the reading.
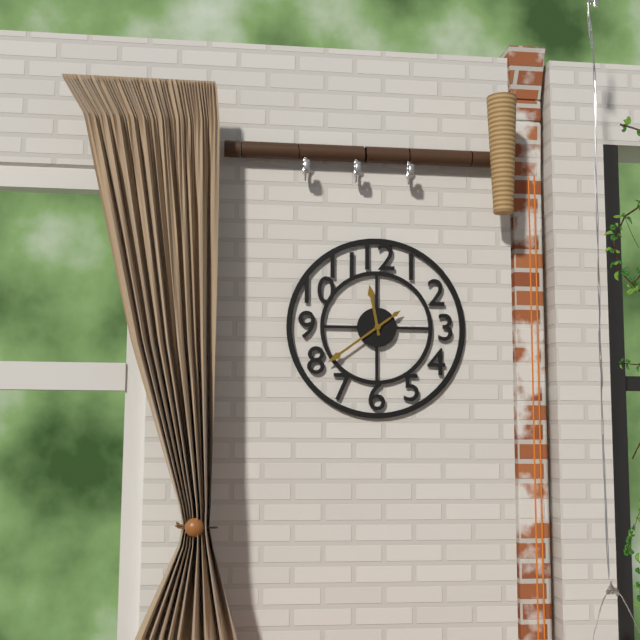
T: 11:39
